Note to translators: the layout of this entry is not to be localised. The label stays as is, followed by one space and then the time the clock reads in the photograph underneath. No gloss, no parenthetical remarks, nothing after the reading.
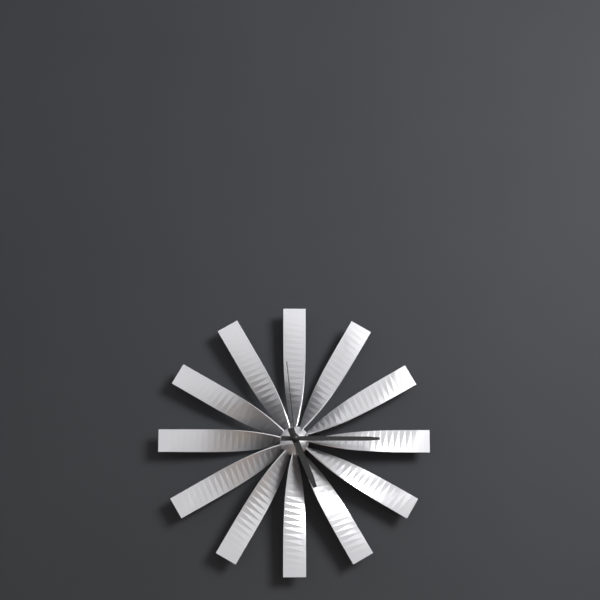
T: 5:15:59
